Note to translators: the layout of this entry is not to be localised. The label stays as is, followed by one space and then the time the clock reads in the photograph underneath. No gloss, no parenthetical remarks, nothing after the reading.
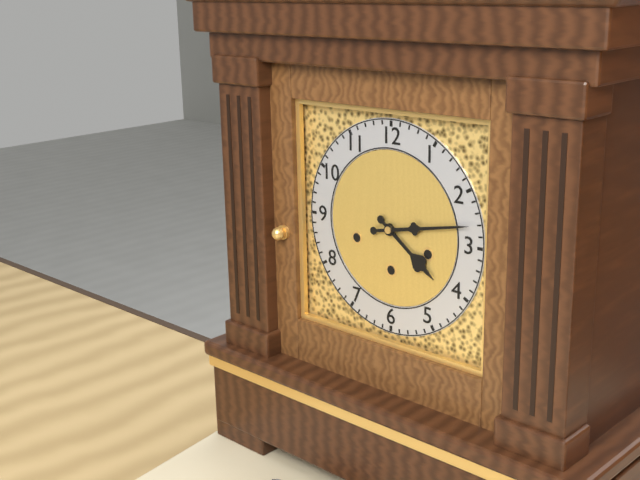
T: 4:13
